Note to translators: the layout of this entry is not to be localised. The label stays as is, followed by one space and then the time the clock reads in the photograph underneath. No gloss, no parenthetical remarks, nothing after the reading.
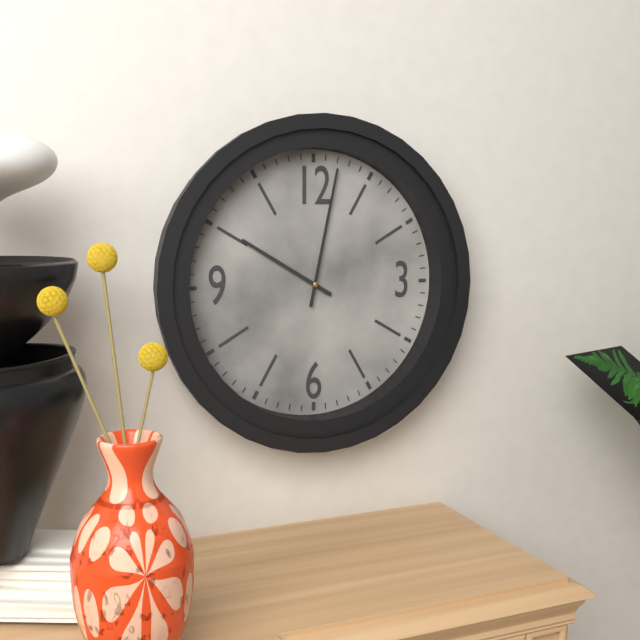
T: 10:02
